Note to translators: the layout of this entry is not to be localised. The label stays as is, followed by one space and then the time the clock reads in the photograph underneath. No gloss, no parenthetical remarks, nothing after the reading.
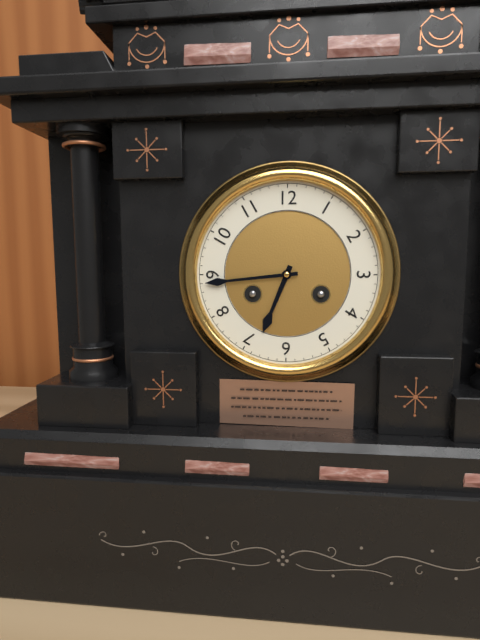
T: 6:44
